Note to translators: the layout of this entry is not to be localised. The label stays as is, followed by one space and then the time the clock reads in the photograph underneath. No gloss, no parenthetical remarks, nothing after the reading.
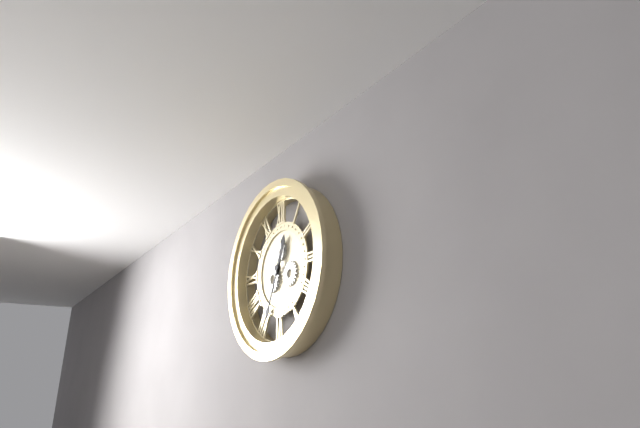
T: 12:34
